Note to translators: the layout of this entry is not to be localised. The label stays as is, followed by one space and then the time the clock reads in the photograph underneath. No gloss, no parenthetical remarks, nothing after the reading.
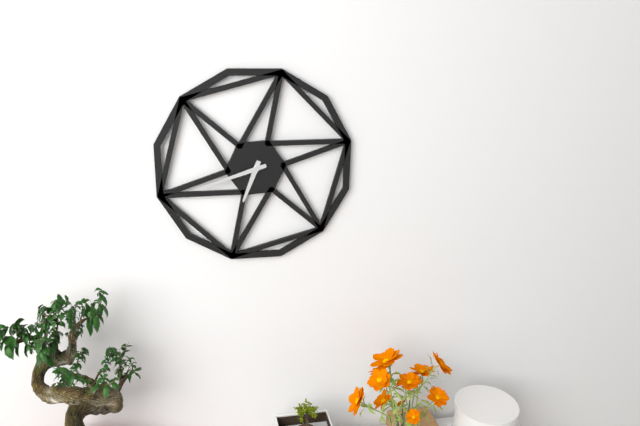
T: 6:42
